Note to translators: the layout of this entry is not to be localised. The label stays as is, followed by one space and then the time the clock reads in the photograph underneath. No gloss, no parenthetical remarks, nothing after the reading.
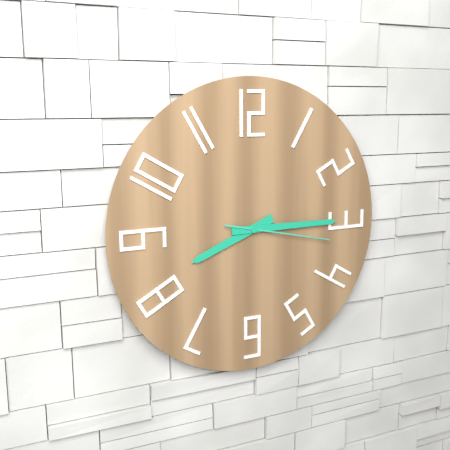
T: 8:15:17
